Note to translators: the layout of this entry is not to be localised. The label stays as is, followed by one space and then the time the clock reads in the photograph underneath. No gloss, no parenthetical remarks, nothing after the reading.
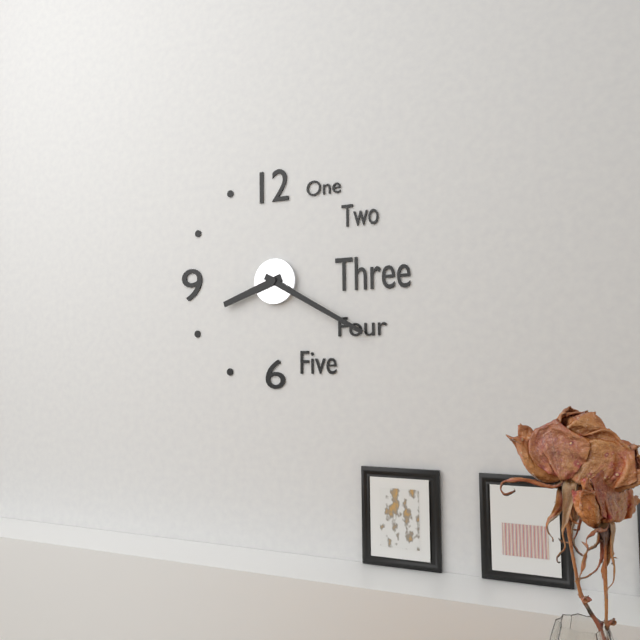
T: 8:20
